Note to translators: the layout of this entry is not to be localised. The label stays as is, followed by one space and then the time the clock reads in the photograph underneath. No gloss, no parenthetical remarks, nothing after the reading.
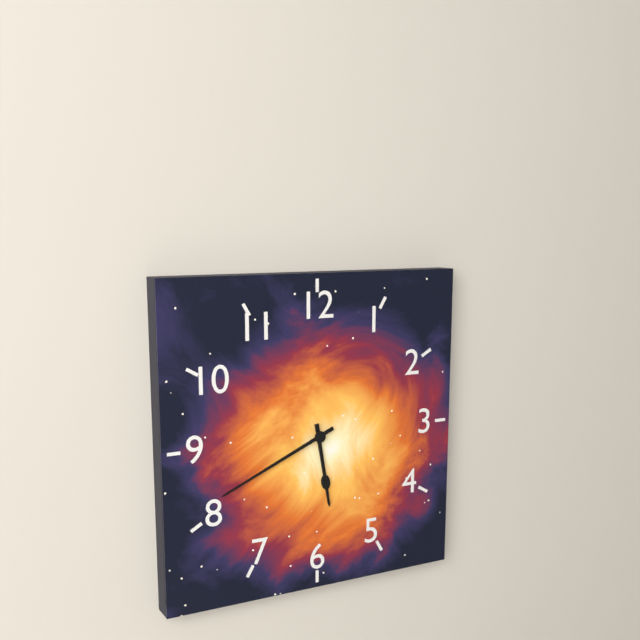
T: 5:41
